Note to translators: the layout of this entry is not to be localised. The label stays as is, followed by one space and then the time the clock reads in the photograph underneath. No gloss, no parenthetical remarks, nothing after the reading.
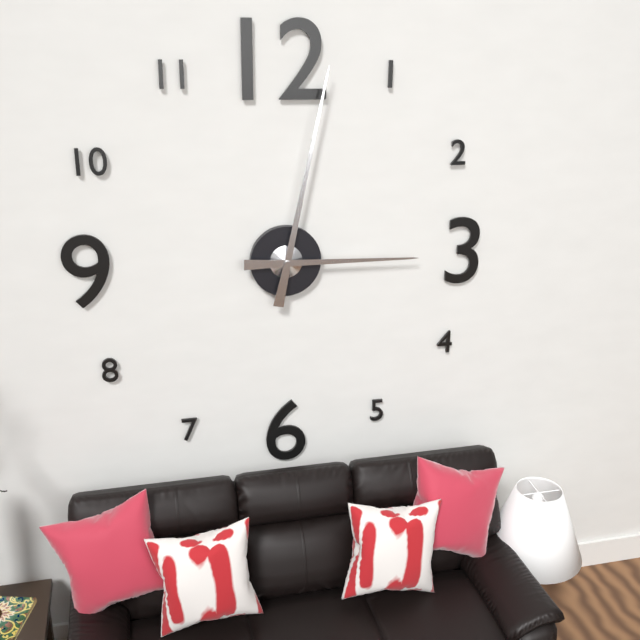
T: 3:02
